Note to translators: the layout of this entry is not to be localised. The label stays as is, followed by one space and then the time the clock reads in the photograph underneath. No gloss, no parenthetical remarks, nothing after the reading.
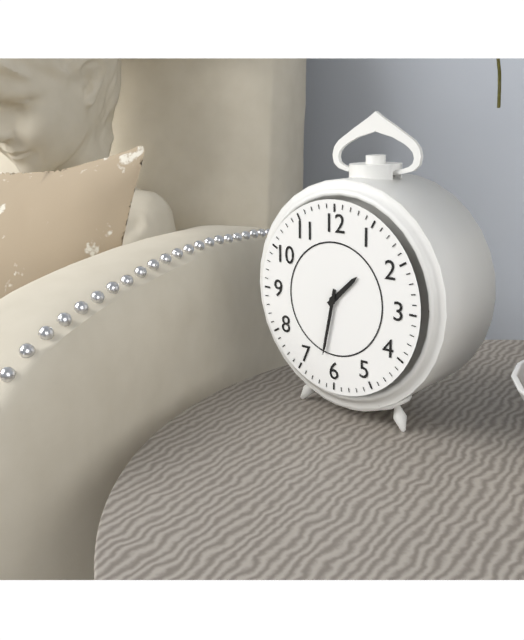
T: 1:32
